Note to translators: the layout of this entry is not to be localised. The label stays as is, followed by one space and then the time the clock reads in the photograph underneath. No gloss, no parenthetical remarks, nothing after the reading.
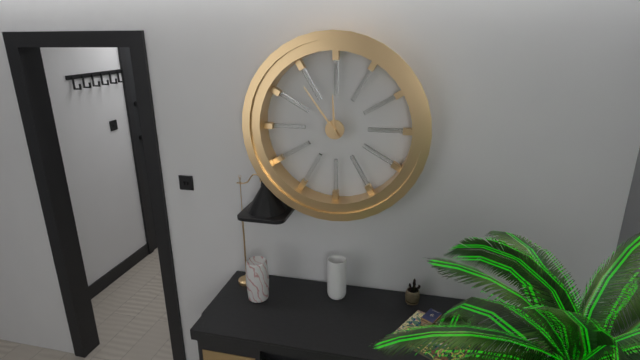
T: 11:54
